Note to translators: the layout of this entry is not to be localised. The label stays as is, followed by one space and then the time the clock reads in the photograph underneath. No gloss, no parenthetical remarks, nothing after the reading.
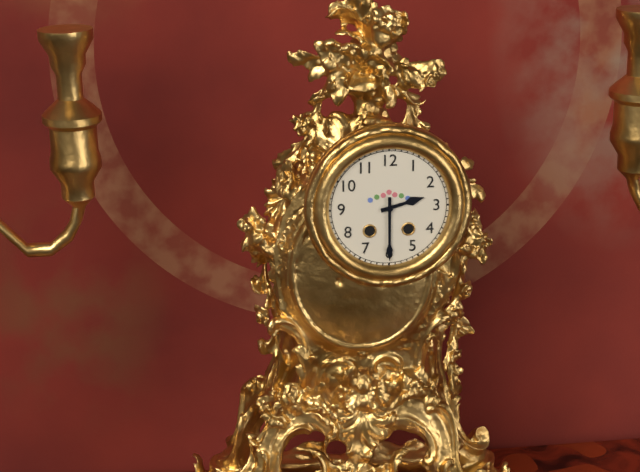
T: 2:30
